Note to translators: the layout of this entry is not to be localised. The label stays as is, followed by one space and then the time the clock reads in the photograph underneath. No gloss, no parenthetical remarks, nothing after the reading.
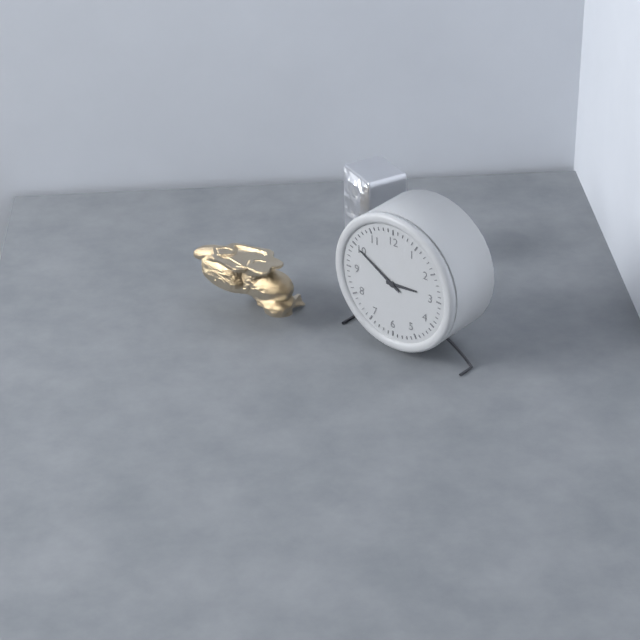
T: 2:50
